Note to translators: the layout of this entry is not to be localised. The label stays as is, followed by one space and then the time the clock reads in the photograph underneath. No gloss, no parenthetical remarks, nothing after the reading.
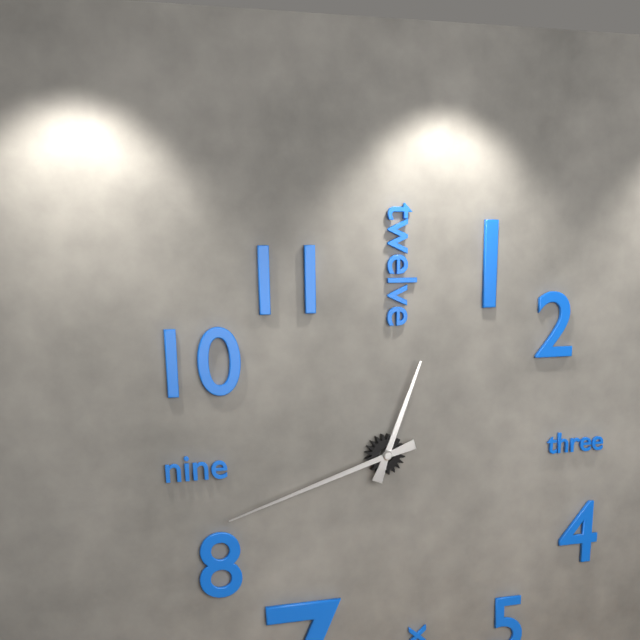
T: 12:42
